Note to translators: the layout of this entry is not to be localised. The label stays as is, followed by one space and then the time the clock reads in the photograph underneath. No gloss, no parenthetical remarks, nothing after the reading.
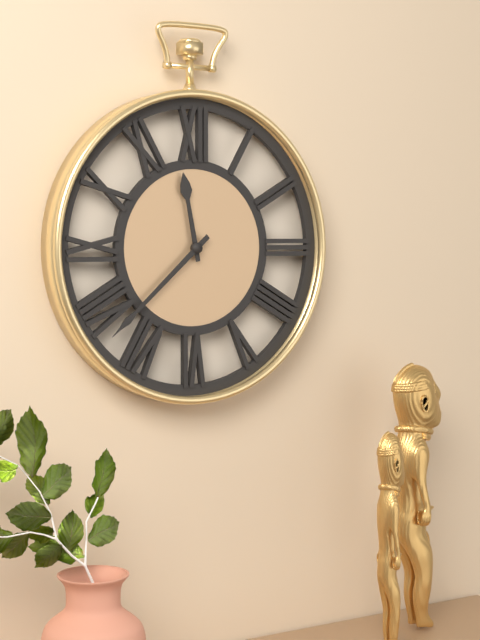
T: 11:38
